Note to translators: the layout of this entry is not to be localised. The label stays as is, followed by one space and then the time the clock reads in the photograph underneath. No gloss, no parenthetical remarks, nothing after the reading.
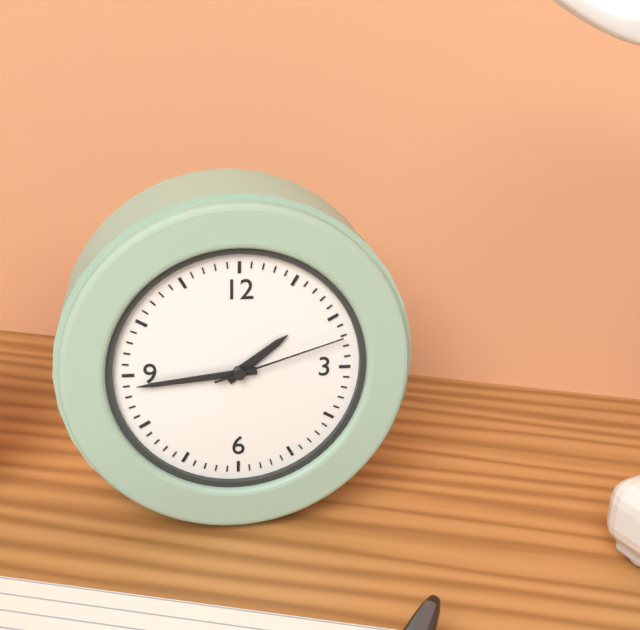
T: 1:44:12
